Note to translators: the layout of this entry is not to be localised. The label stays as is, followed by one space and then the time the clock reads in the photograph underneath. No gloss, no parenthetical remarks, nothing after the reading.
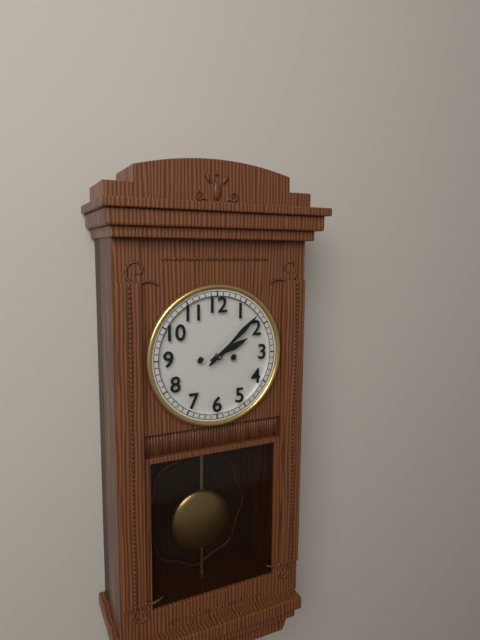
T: 2:08
